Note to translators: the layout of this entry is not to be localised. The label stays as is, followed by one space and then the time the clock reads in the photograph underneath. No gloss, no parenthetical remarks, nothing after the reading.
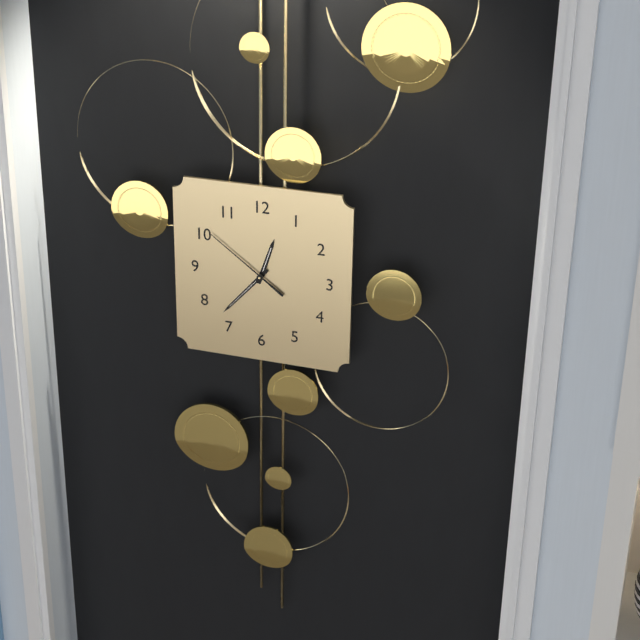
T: 12:37:51
